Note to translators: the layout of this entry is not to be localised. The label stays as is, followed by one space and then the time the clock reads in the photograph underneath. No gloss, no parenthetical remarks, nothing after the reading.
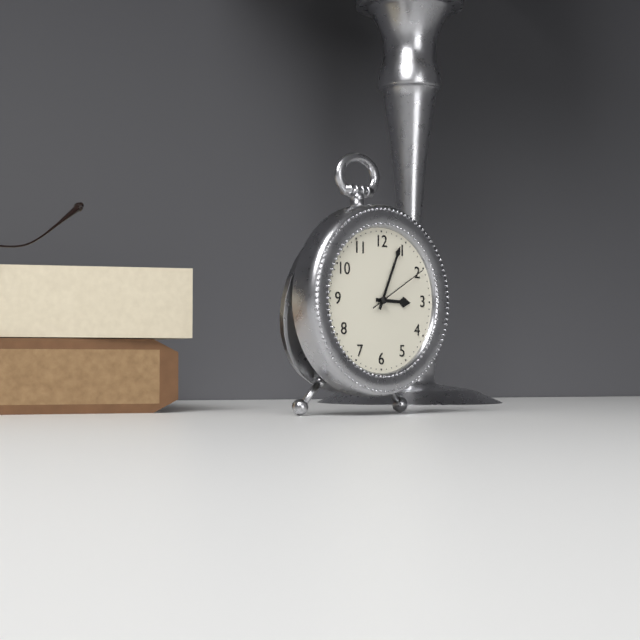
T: 3:04:10
